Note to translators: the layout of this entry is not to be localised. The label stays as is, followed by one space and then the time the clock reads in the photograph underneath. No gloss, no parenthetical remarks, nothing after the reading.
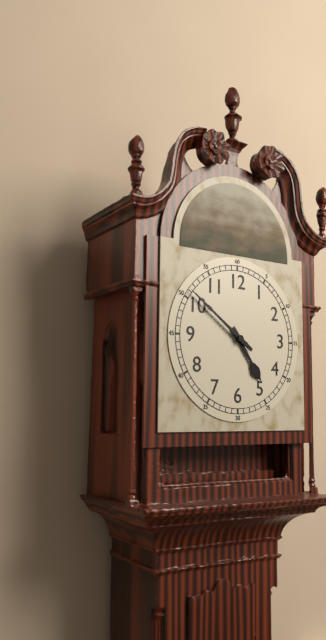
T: 4:51
